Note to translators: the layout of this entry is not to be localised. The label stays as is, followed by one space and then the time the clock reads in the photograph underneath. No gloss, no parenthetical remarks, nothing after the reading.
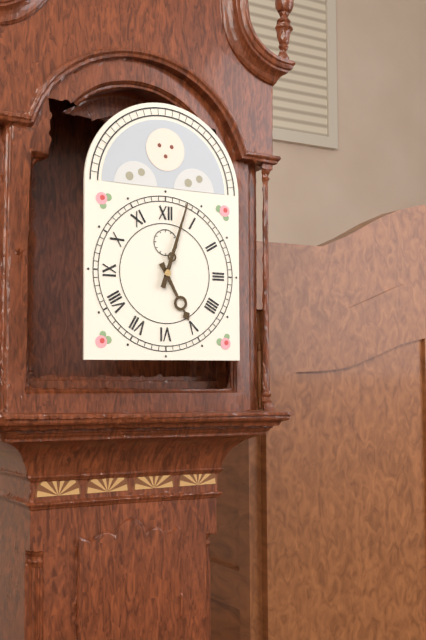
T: 5:03
